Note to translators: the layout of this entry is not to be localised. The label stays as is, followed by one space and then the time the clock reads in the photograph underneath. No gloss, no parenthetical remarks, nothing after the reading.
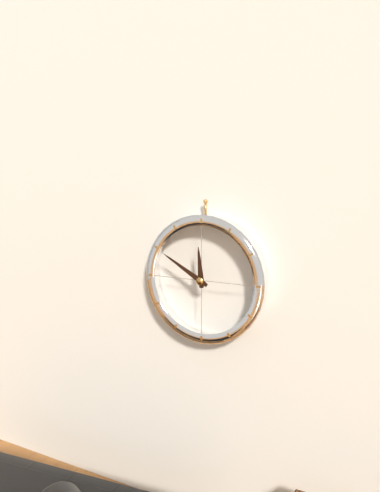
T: 11:50
